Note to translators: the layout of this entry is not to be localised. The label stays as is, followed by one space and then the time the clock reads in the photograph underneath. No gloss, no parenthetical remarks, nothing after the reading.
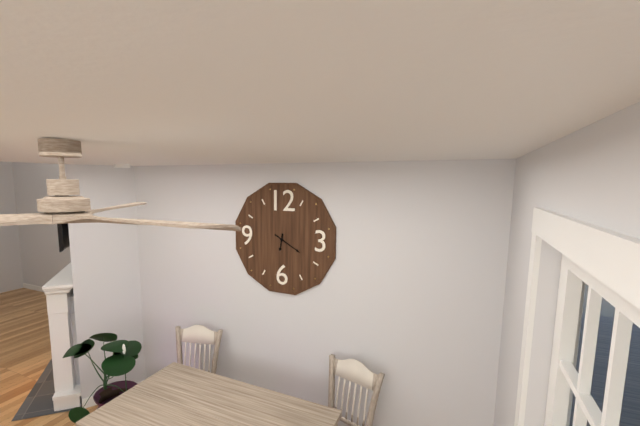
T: 6:20
